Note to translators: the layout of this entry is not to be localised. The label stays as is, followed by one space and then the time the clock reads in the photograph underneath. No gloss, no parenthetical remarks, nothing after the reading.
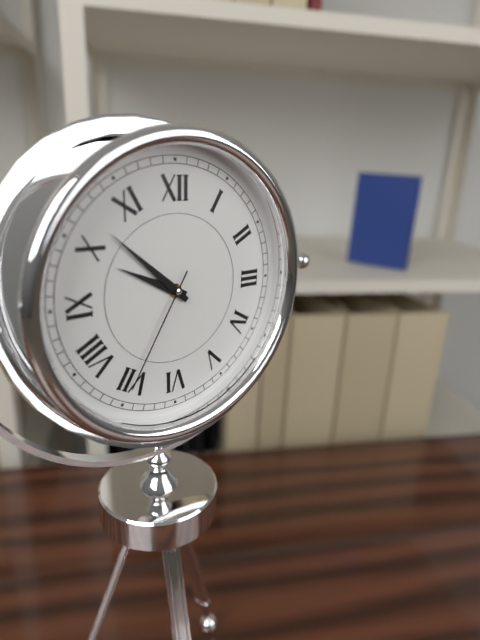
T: 9:52:35
